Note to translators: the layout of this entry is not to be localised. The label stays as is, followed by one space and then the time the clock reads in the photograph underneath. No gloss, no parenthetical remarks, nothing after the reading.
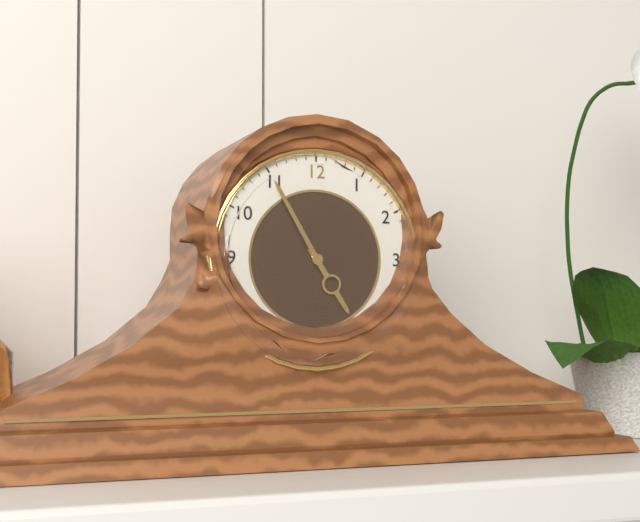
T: 4:55
